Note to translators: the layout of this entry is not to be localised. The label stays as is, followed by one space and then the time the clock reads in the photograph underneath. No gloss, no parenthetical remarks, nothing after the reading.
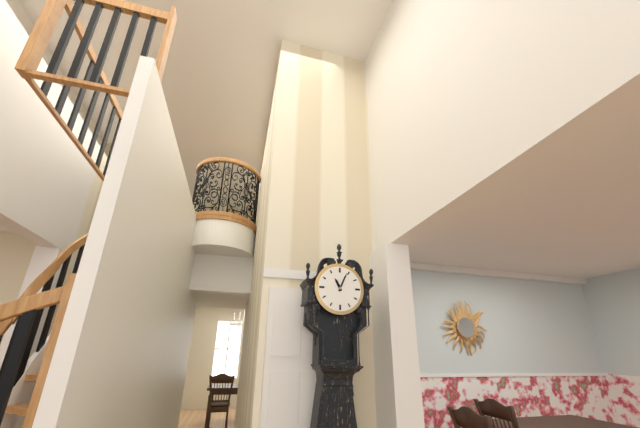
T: 11:04
